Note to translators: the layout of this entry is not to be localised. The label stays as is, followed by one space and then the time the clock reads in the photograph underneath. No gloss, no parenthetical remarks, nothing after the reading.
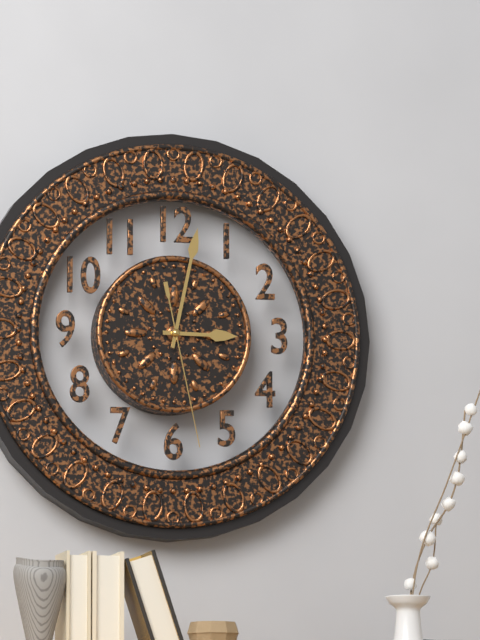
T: 3:02:28
